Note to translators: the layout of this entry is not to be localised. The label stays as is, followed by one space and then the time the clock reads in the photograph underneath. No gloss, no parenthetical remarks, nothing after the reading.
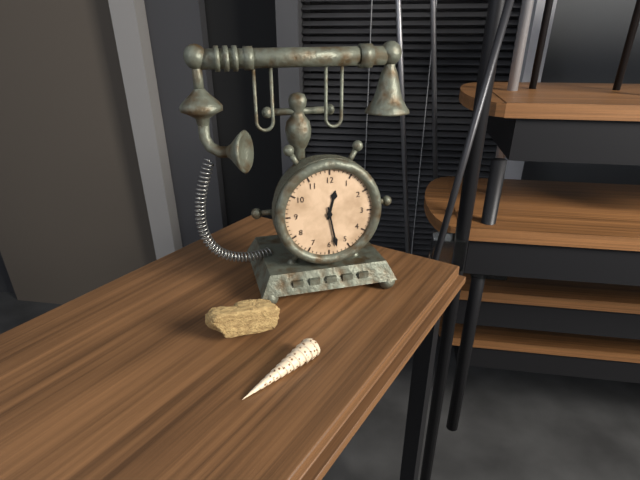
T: 12:28
